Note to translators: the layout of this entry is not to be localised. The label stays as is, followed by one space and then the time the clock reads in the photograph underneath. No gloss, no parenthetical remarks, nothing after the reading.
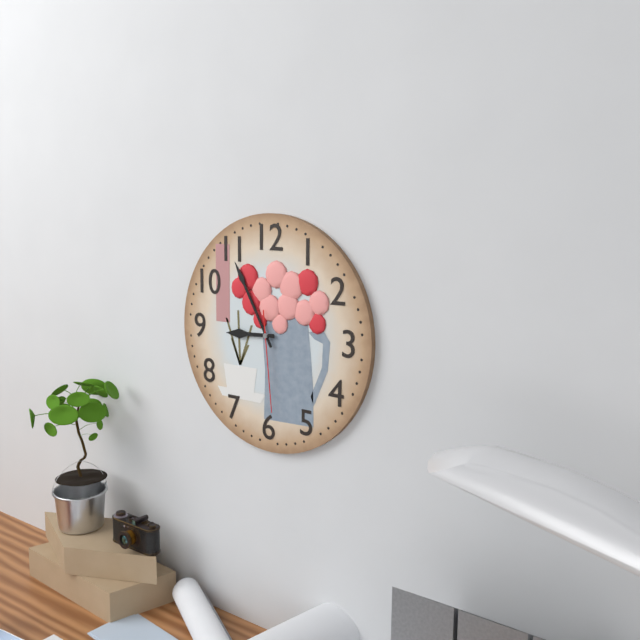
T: 8:55:29
